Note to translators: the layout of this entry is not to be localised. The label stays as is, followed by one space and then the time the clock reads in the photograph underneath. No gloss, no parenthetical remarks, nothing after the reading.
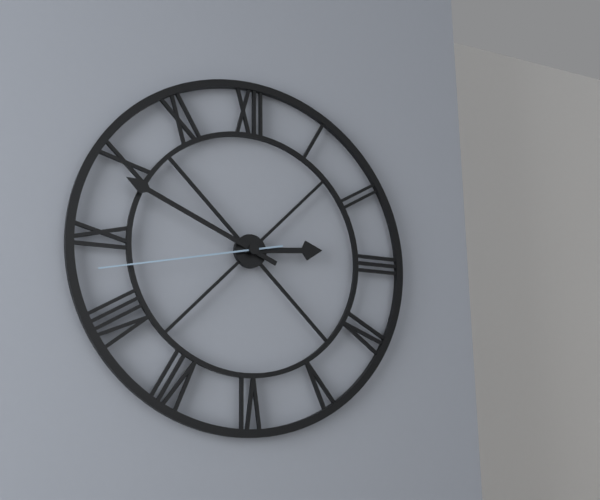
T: 2:49:43
